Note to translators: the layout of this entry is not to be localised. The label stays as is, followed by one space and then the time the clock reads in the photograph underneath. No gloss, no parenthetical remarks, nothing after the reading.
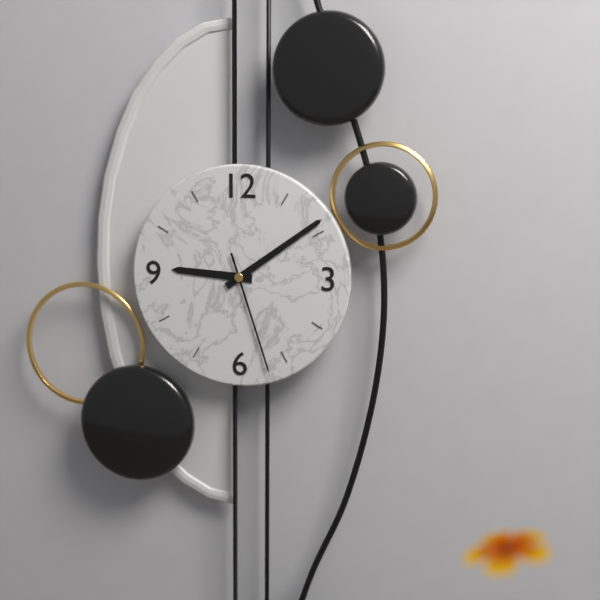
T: 9:09:27
